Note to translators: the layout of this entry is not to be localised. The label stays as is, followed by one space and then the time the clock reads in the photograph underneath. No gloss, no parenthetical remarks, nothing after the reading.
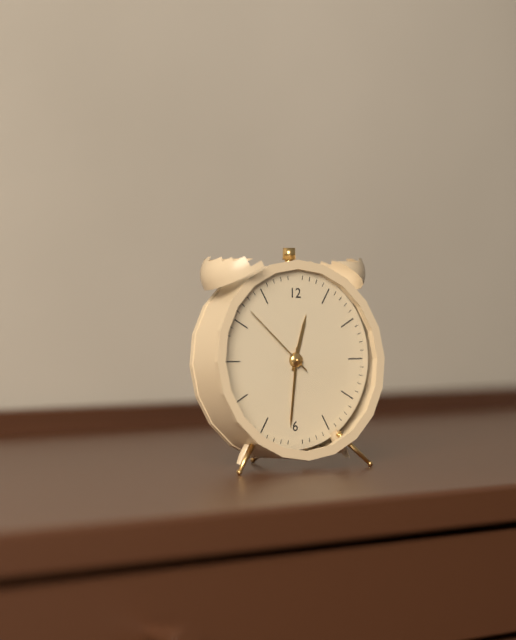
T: 12:31:52
